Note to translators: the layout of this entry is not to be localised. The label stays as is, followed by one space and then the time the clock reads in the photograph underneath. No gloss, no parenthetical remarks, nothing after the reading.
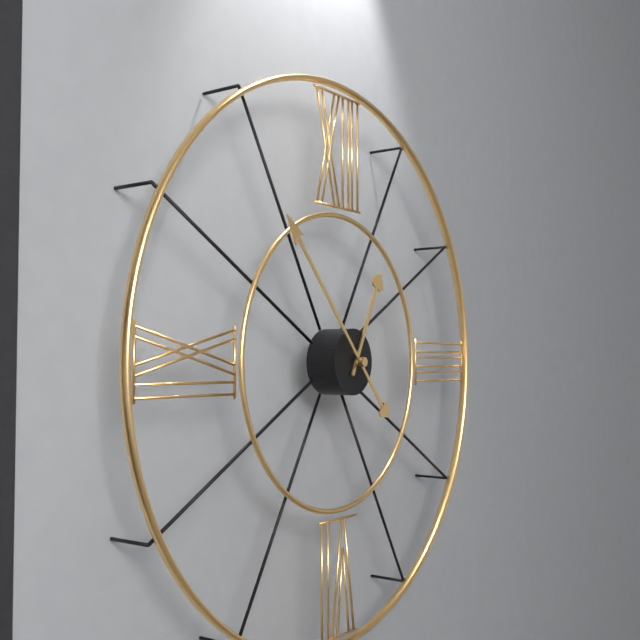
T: 12:53
